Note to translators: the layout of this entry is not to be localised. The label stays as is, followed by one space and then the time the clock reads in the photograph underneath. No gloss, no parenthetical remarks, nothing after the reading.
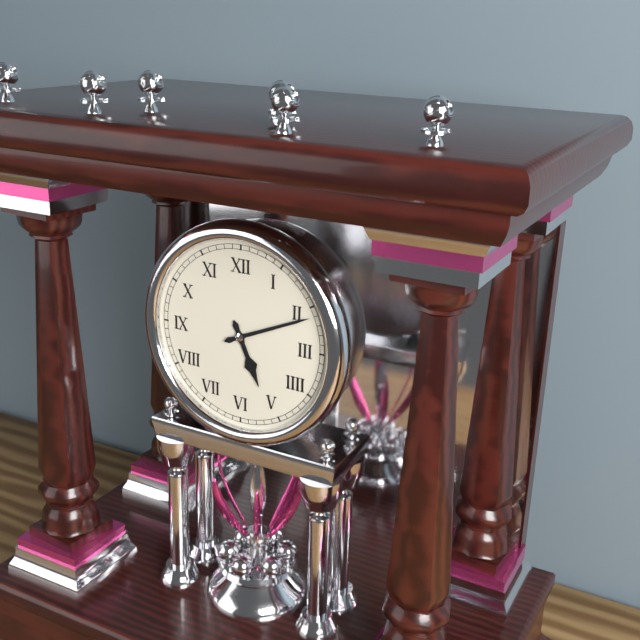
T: 5:11
